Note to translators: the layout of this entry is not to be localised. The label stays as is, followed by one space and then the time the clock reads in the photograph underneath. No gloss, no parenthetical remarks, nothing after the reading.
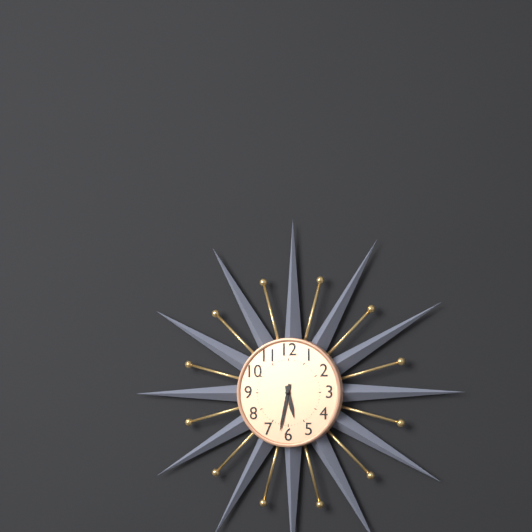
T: 5:32
